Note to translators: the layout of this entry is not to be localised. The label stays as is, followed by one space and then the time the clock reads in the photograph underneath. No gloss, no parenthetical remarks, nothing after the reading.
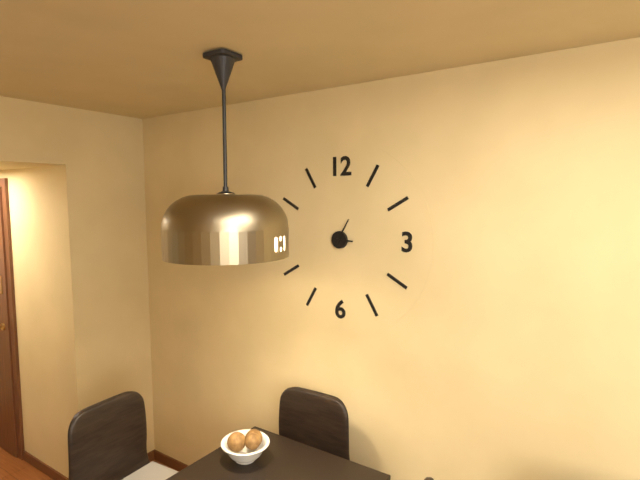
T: 3:05
